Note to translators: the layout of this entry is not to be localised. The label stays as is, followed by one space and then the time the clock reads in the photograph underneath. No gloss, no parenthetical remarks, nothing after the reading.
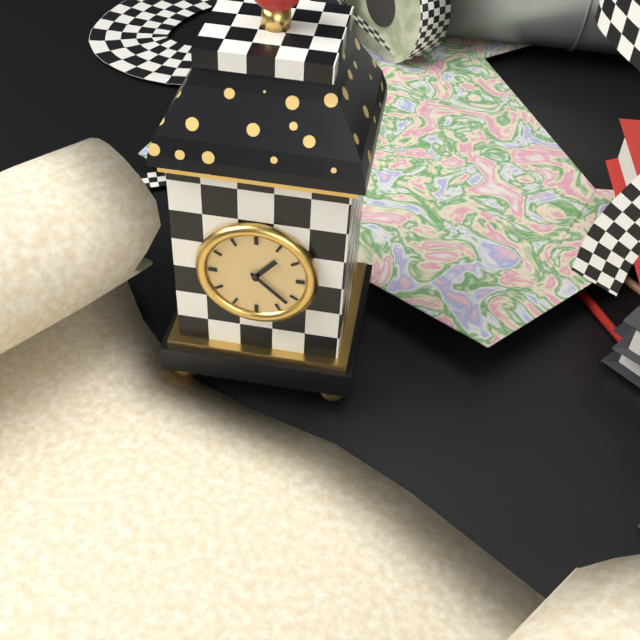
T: 1:22
